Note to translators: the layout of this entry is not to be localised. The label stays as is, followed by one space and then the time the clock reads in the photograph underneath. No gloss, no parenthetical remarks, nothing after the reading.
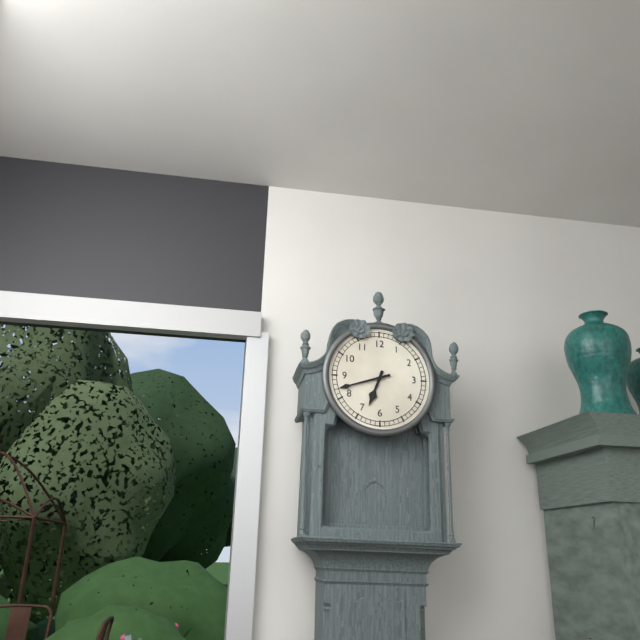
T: 6:42
